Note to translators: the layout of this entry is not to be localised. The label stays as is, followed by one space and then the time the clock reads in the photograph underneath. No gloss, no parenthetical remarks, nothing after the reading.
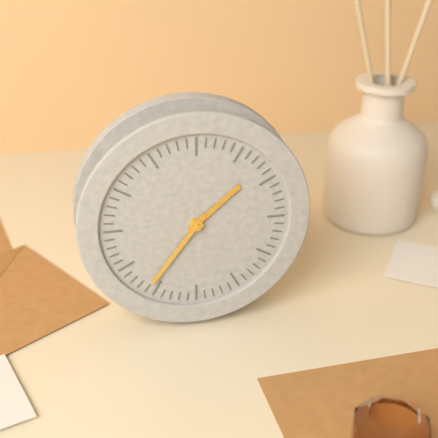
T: 1:36
